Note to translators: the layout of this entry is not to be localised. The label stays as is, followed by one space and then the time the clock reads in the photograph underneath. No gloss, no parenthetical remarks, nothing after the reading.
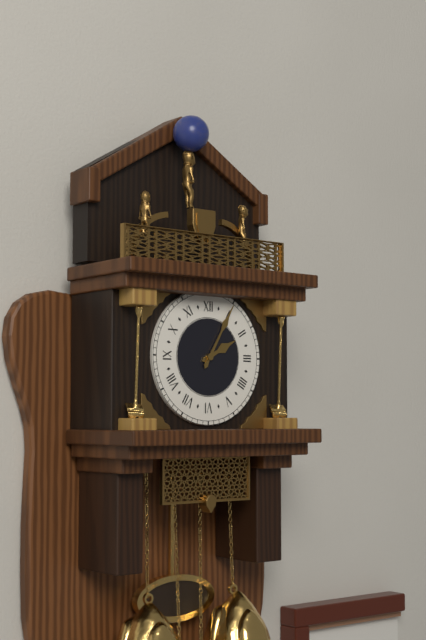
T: 2:05
